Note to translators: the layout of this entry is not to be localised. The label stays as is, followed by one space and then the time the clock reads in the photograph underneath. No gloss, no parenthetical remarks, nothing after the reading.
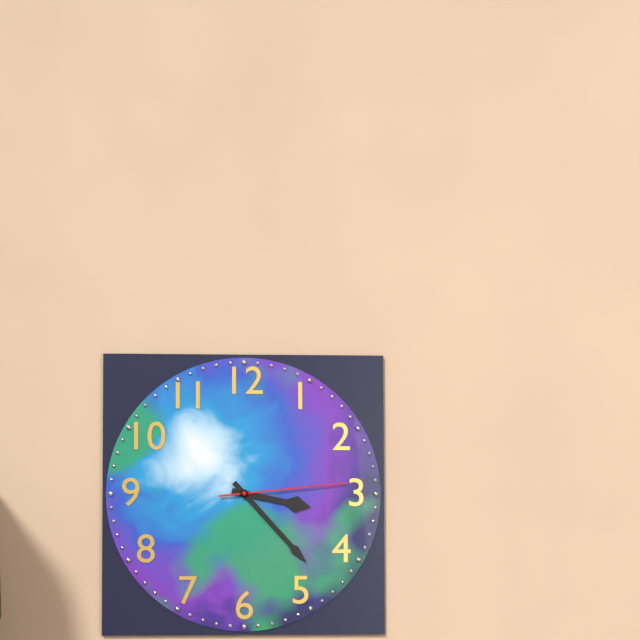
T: 3:23:14
